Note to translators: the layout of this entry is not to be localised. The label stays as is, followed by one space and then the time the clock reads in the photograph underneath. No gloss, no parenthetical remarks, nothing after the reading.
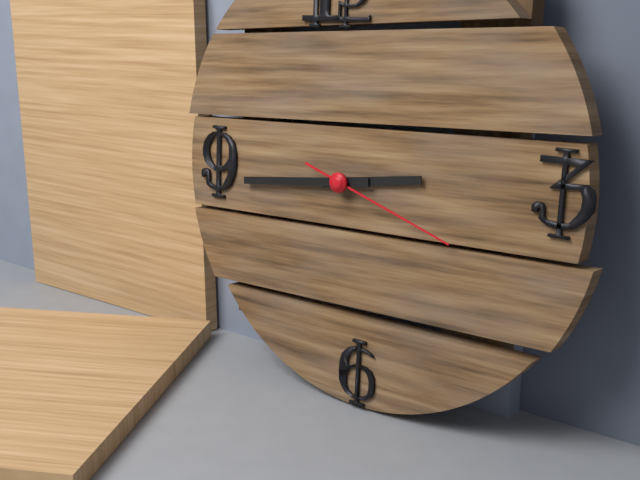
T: 2:44:18
